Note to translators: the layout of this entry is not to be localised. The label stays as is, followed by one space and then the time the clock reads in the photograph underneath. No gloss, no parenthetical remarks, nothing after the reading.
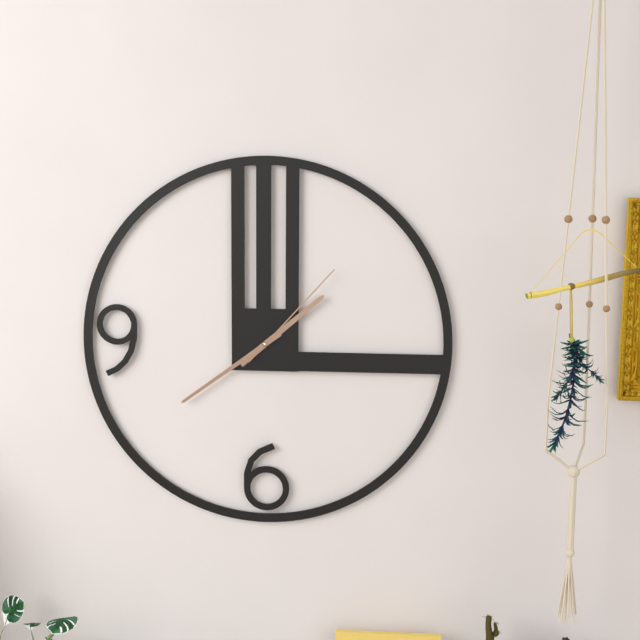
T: 1:39:07
